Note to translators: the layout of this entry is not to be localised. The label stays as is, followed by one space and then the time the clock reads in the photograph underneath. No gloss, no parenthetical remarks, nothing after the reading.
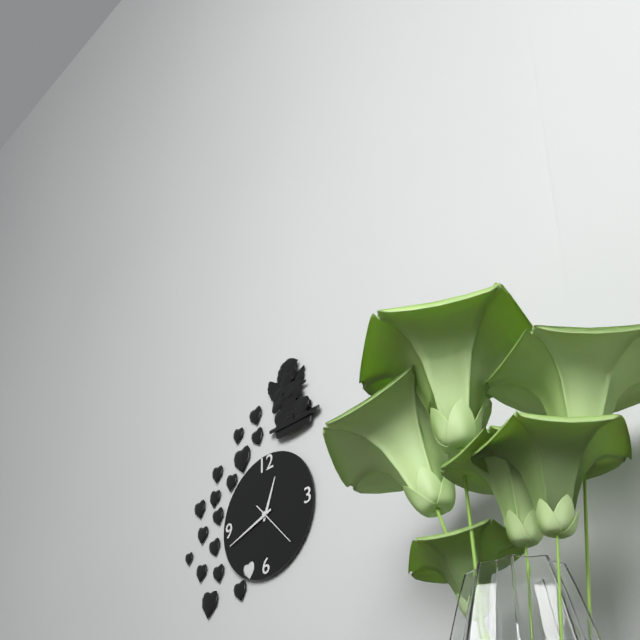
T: 12:42
